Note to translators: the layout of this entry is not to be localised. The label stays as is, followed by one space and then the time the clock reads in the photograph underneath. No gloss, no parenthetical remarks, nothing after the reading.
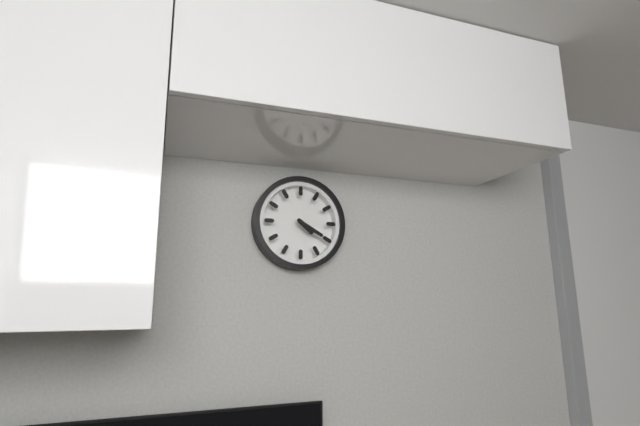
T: 4:20
